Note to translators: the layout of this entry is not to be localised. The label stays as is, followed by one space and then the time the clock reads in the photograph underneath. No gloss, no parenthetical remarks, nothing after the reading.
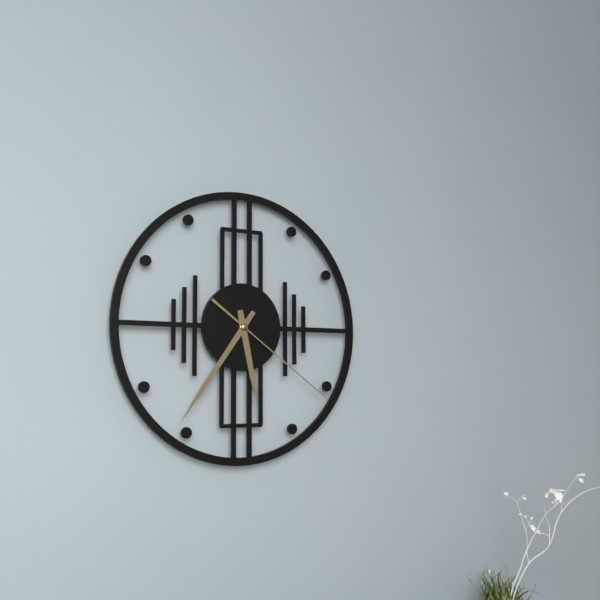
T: 5:36:21
